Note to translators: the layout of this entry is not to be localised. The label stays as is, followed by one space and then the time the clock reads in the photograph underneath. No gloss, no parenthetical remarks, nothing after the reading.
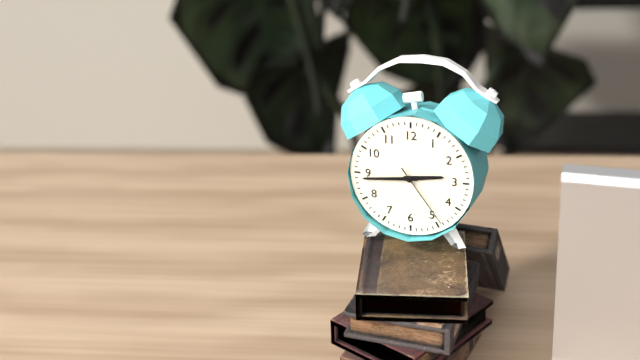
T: 2:44:24
